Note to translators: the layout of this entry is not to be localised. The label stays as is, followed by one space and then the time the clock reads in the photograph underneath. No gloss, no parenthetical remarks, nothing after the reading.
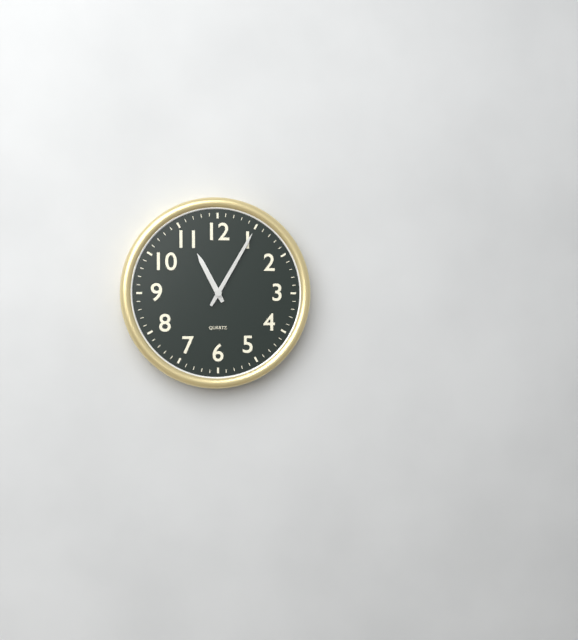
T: 11:05
